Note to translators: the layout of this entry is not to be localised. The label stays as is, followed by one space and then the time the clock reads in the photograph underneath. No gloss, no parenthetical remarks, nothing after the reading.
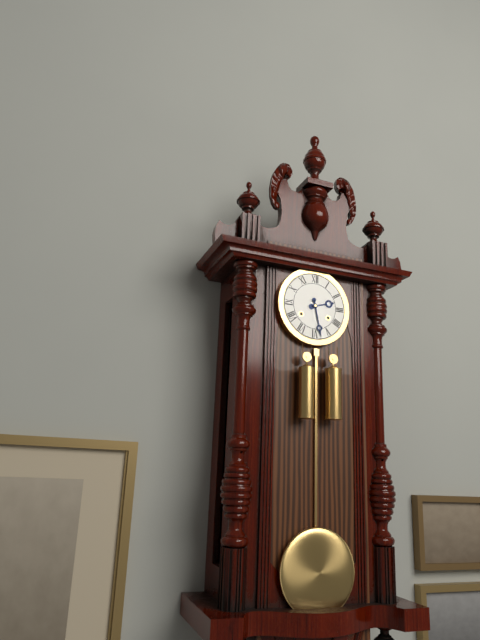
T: 2:28
